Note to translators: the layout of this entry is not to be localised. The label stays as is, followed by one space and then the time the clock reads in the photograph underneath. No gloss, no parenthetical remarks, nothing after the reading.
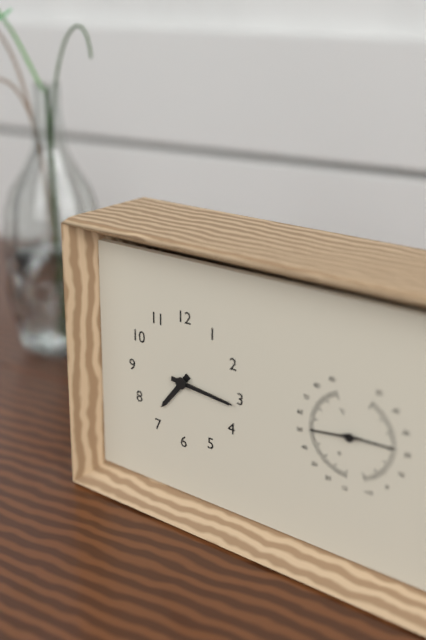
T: 7:16
